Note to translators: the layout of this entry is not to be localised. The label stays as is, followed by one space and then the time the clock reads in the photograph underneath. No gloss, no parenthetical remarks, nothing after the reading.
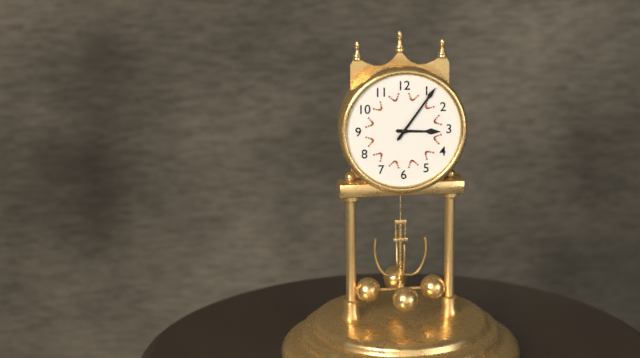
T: 3:06
